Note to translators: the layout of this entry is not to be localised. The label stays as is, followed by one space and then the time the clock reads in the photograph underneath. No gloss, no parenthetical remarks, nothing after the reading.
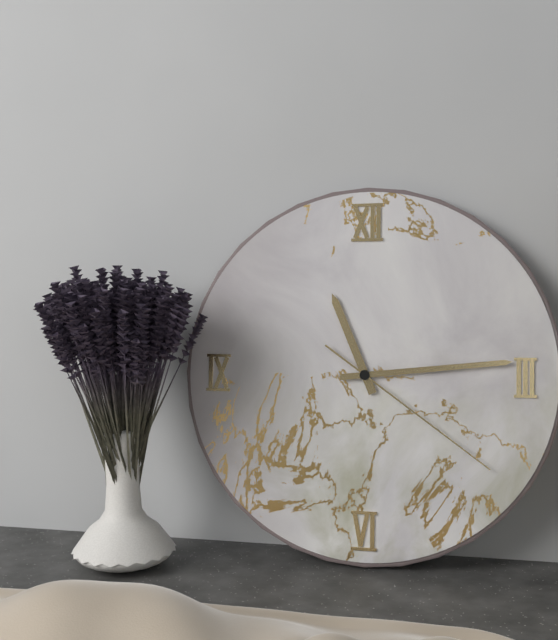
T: 11:14:21
